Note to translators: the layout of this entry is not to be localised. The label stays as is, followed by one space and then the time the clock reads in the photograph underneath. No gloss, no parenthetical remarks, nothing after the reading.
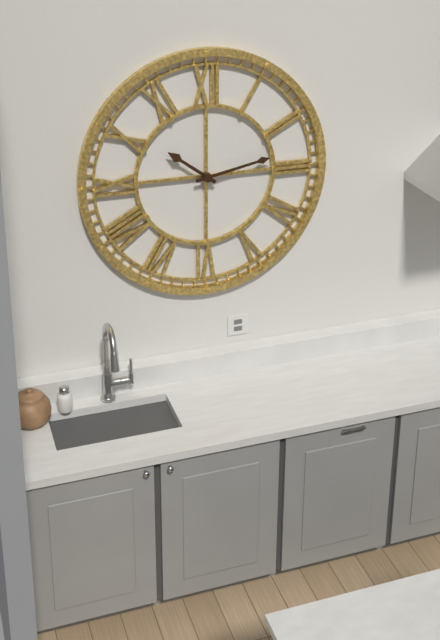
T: 10:13
